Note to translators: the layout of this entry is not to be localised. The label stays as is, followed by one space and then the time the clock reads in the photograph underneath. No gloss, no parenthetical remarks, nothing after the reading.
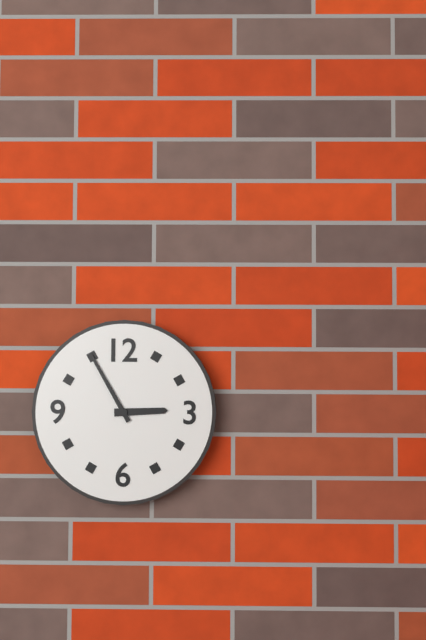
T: 2:55
